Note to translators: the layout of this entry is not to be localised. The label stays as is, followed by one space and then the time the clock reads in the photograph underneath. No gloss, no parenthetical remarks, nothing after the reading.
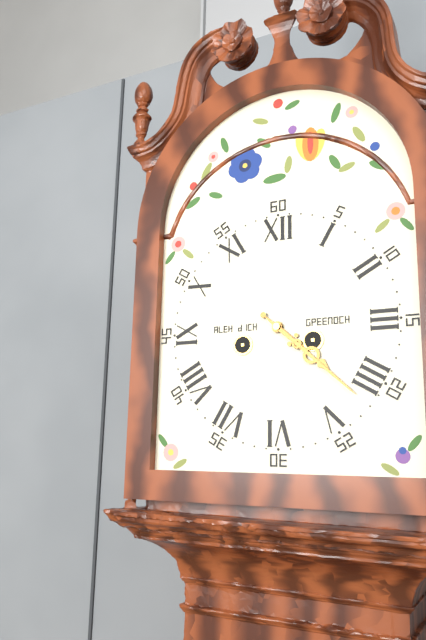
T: 4:22
